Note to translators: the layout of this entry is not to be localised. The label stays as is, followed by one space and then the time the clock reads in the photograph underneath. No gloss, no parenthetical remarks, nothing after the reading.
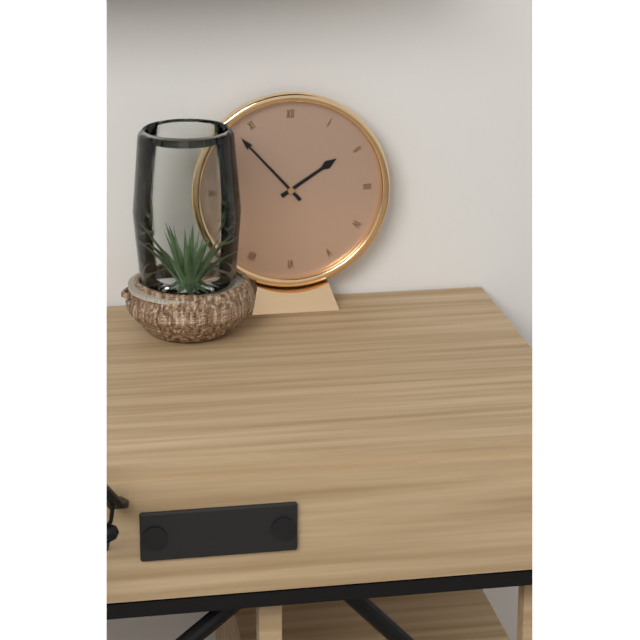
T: 1:53
